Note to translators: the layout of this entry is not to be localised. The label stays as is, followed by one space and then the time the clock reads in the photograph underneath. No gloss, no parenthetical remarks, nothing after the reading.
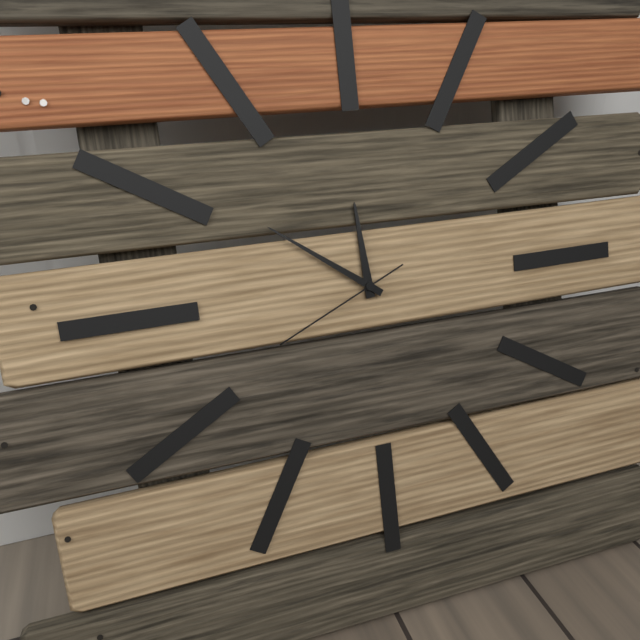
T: 11:51:41
